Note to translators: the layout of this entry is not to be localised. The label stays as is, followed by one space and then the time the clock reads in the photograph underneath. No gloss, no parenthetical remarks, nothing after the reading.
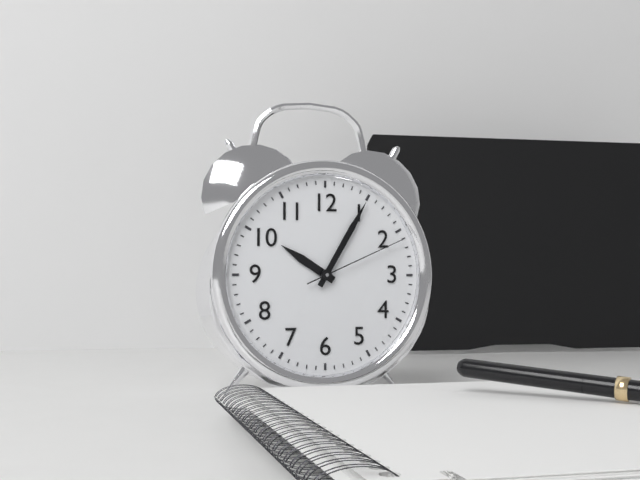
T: 10:05:11
